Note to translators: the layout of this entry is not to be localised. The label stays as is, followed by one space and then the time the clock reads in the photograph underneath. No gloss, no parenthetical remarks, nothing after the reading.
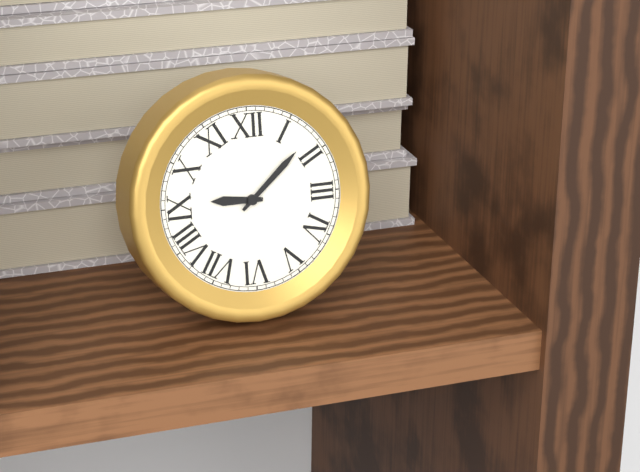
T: 9:08
